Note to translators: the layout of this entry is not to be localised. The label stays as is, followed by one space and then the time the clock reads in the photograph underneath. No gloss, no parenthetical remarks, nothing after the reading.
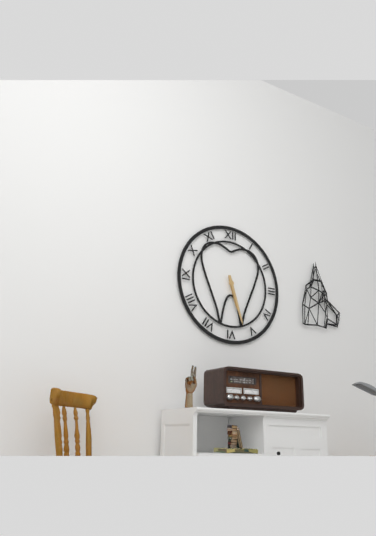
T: 5:27
